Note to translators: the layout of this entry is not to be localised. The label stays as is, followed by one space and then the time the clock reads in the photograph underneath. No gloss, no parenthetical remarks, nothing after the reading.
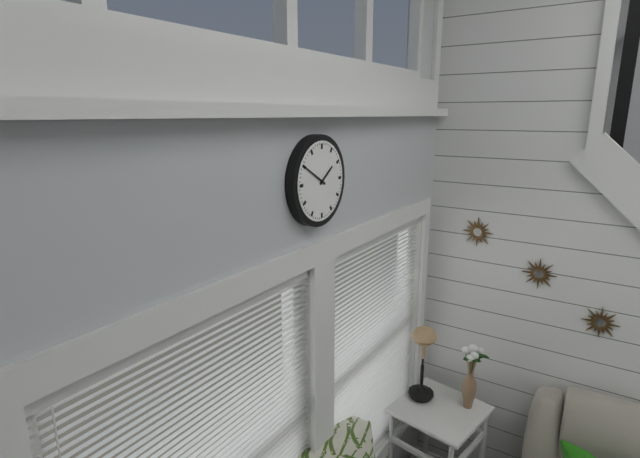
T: 1:50
